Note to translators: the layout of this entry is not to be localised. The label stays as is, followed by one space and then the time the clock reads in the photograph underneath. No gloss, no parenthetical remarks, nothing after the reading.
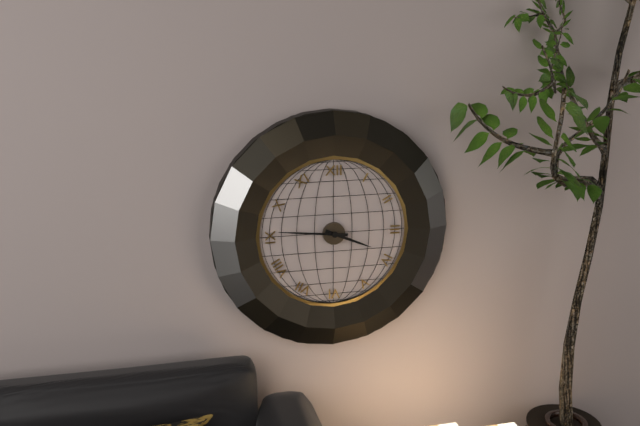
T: 3:46
